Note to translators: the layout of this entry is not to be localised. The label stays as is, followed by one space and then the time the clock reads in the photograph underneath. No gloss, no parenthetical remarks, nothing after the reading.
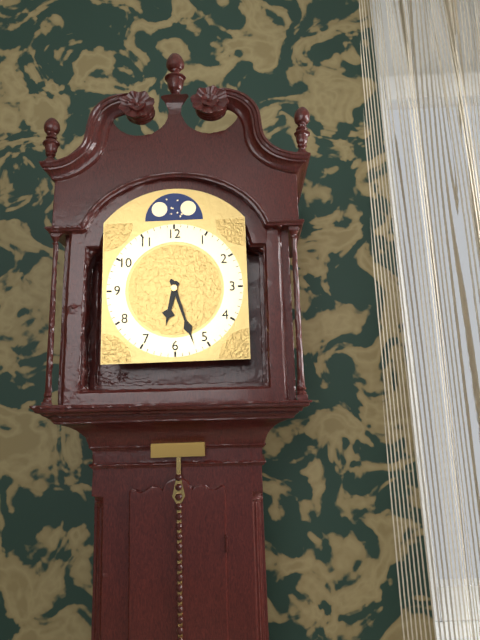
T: 6:27
